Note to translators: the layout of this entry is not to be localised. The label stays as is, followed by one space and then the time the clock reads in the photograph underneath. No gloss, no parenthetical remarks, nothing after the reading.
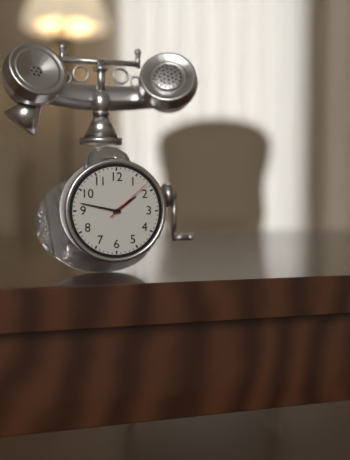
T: 1:47:08
